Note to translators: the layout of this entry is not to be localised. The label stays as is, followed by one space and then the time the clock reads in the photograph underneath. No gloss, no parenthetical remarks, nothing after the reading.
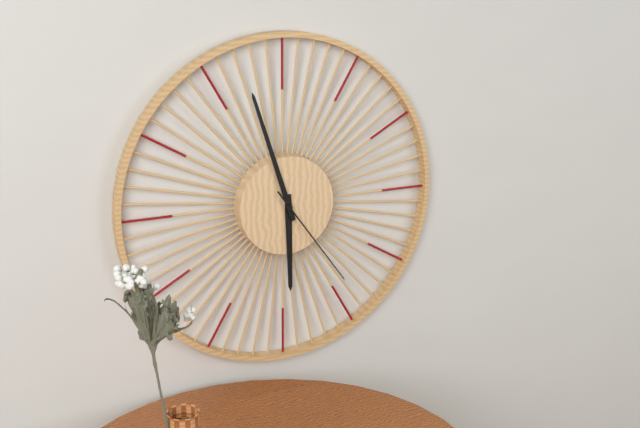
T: 5:57:24
